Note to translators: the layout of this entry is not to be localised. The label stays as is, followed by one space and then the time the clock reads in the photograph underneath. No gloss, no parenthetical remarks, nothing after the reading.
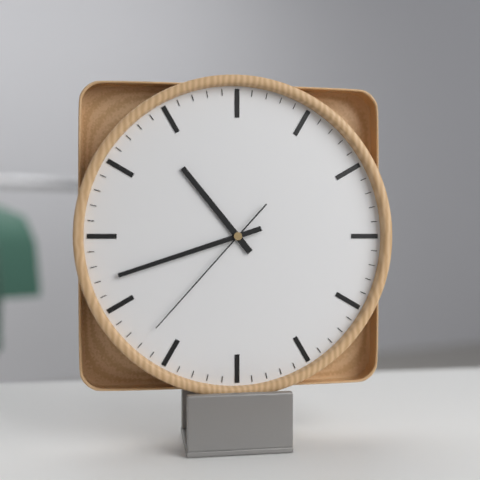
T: 10:42:37
